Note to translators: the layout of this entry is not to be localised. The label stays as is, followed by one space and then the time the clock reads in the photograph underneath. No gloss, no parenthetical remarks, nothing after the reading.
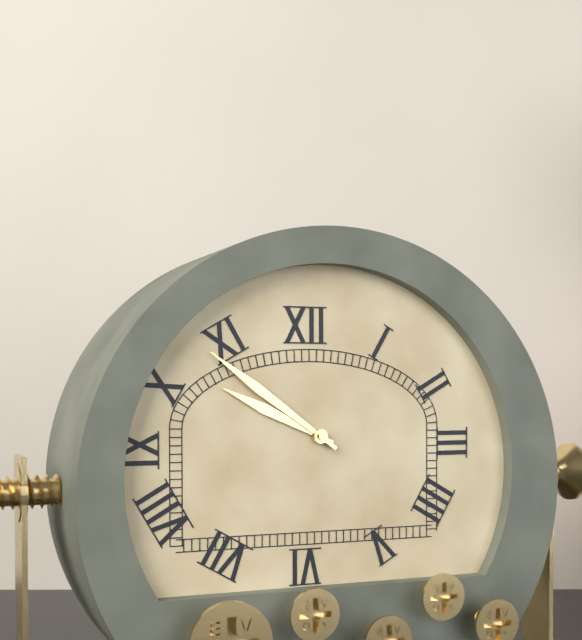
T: 9:51
